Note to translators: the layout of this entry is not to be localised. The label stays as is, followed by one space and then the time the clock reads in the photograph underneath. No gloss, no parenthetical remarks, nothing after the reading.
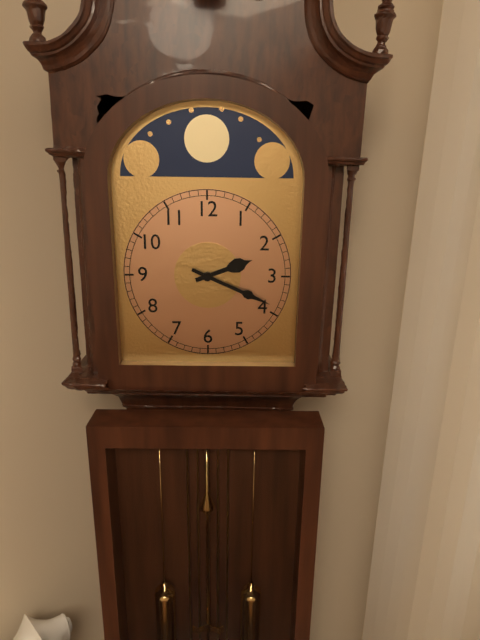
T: 2:19
